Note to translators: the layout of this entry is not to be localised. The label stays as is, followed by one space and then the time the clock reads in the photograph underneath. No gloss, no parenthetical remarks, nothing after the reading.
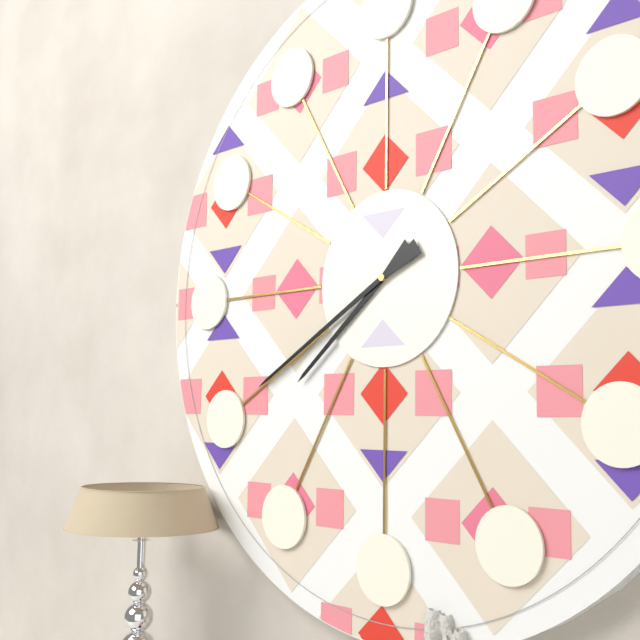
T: 7:40
